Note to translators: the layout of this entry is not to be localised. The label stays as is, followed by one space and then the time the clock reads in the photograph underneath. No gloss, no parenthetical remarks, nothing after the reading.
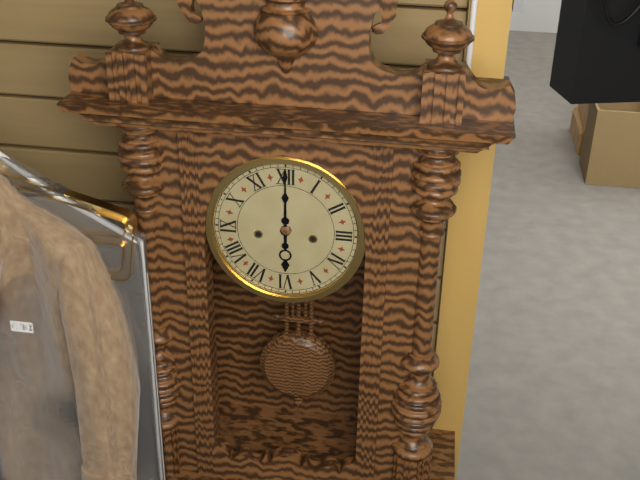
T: 6:00
